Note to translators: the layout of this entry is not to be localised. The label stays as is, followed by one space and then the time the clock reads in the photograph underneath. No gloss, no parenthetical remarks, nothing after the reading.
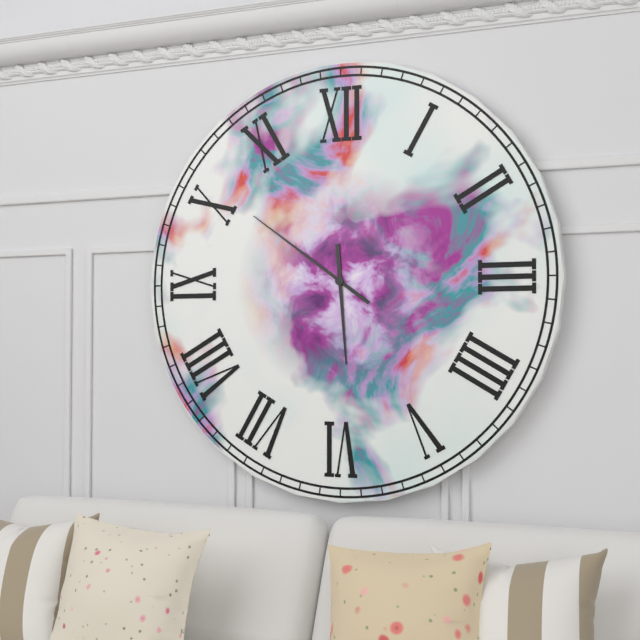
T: 5:51
